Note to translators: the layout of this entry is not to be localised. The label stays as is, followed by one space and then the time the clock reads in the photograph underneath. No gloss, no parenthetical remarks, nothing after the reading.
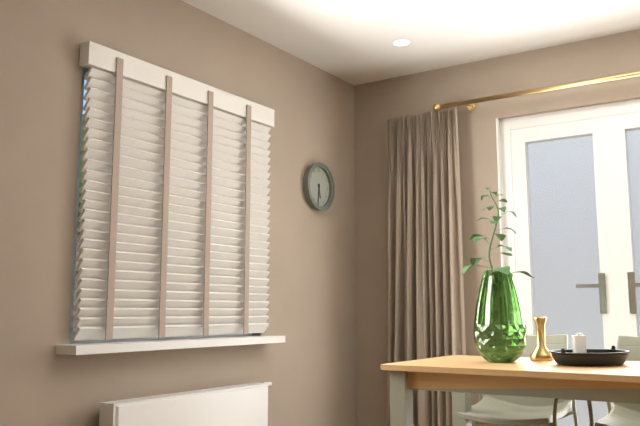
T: 5:31
